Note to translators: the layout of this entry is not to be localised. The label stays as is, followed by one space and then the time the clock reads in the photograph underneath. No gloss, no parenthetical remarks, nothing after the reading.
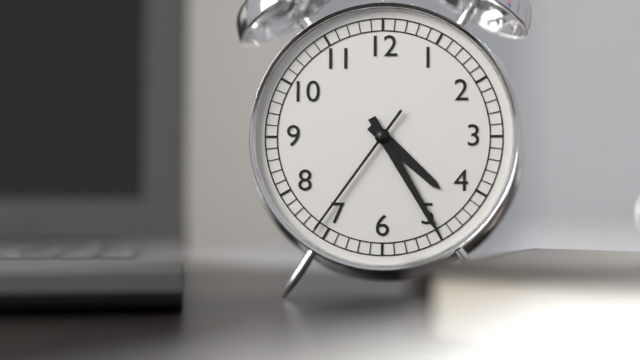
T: 4:25:36
